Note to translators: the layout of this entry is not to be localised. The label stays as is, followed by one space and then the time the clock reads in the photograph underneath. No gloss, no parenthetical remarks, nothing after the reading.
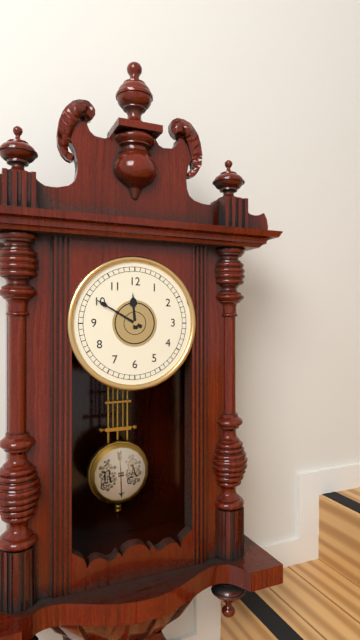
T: 11:50
